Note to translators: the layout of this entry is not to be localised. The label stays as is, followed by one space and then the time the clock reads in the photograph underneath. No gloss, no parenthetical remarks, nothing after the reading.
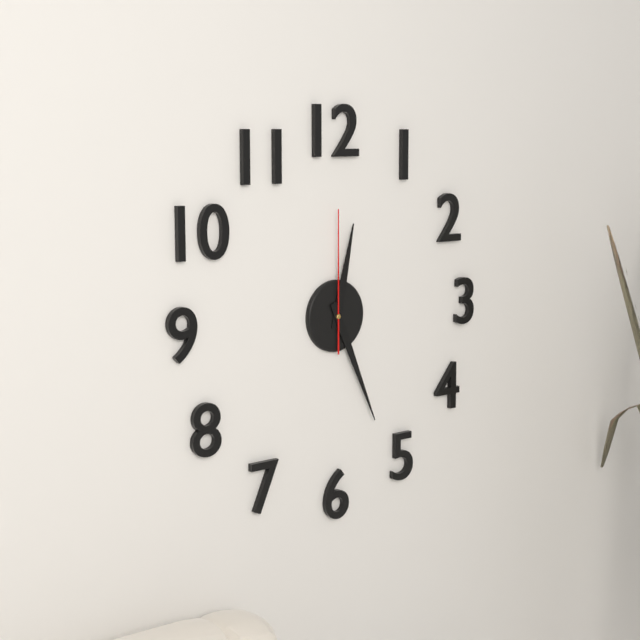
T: 12:26:00
